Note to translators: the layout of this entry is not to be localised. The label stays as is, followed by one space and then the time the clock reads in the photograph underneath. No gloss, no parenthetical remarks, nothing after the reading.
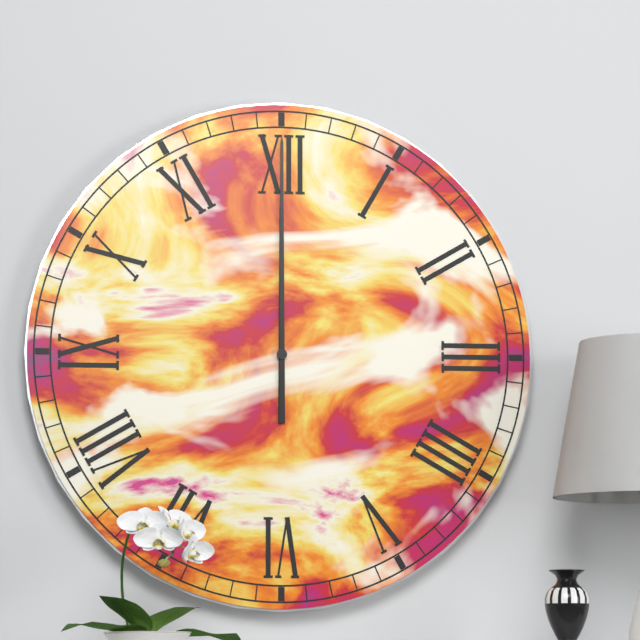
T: 12:00
